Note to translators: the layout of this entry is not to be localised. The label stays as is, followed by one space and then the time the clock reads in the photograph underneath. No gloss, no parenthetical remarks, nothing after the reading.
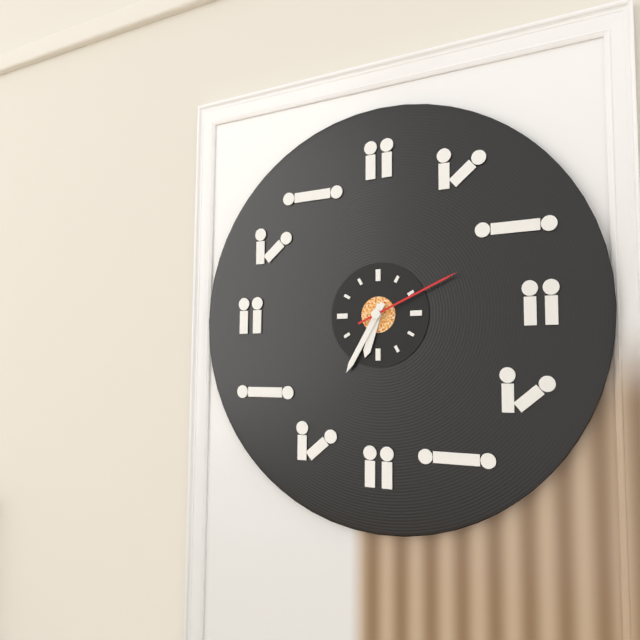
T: 6:35:11
